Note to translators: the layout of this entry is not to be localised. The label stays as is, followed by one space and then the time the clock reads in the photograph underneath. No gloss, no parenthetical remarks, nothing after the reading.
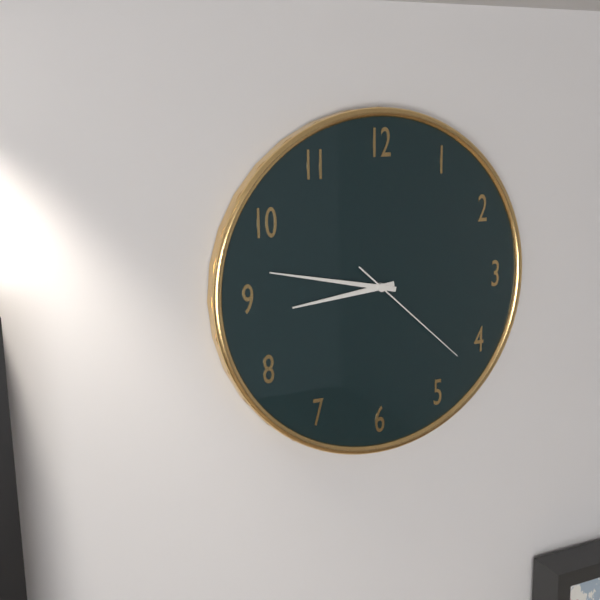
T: 8:47:22
